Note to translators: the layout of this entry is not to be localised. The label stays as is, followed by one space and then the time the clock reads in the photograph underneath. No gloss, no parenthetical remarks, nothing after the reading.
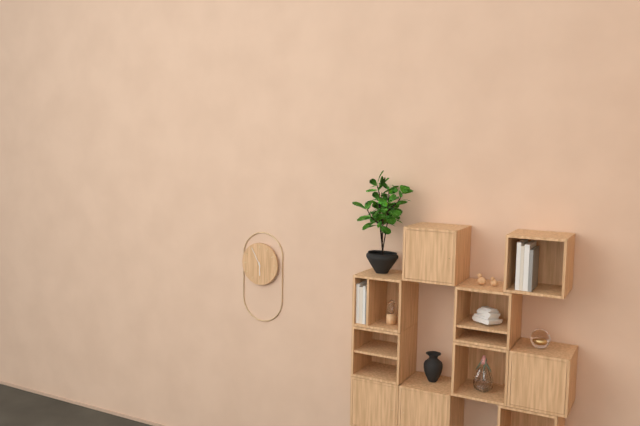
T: 5:55
